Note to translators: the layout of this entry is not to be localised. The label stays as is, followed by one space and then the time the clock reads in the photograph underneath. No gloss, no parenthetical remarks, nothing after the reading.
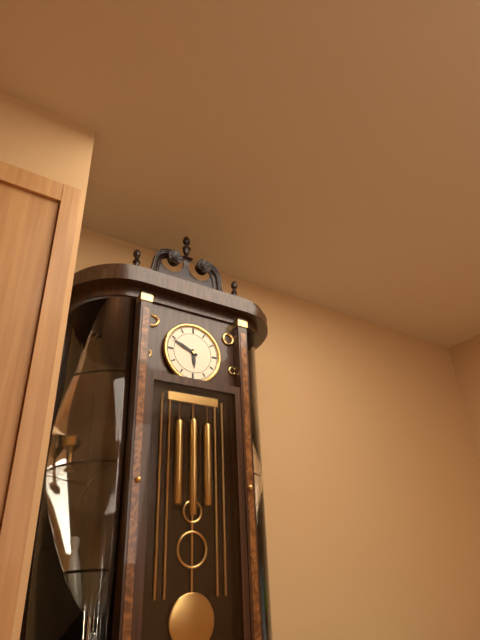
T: 5:49
